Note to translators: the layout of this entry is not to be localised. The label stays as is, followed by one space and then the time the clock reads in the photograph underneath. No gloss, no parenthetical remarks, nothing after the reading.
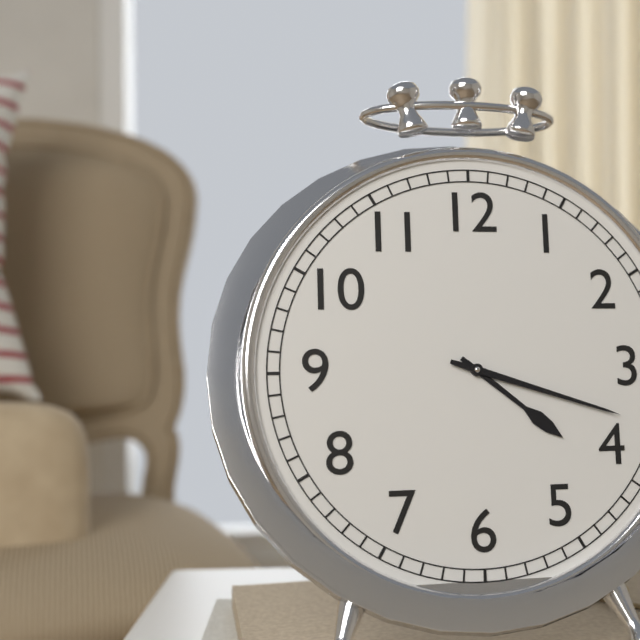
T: 4:18
